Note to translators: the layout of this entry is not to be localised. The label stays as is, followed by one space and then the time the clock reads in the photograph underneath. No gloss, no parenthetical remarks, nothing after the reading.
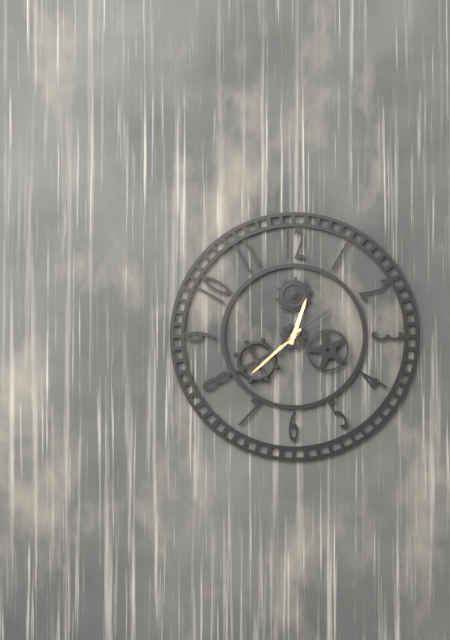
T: 12:38:09
